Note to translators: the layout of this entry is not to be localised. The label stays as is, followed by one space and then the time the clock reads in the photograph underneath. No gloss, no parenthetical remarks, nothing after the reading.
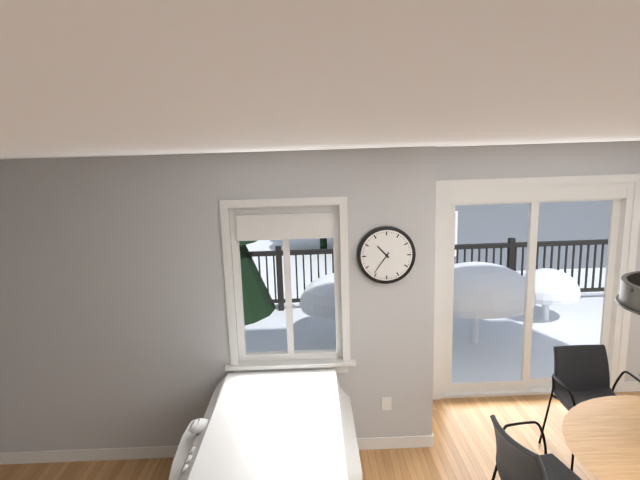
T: 10:36
